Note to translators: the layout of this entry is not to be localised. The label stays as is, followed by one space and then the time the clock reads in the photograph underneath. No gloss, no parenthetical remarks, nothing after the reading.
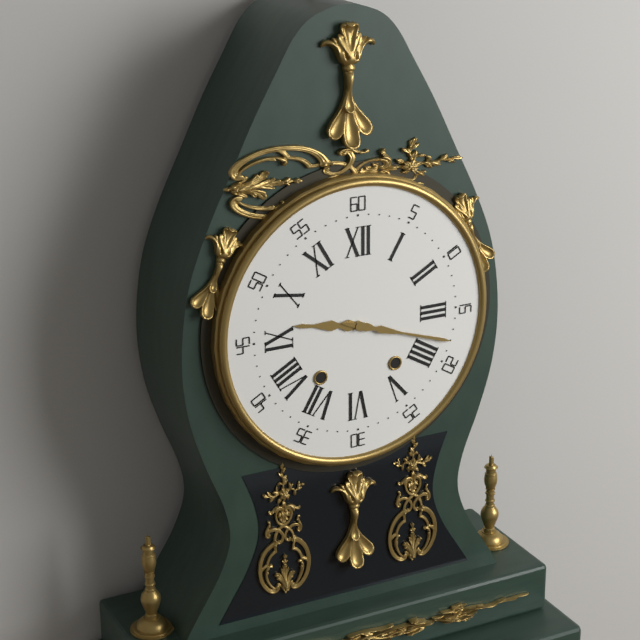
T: 9:18
